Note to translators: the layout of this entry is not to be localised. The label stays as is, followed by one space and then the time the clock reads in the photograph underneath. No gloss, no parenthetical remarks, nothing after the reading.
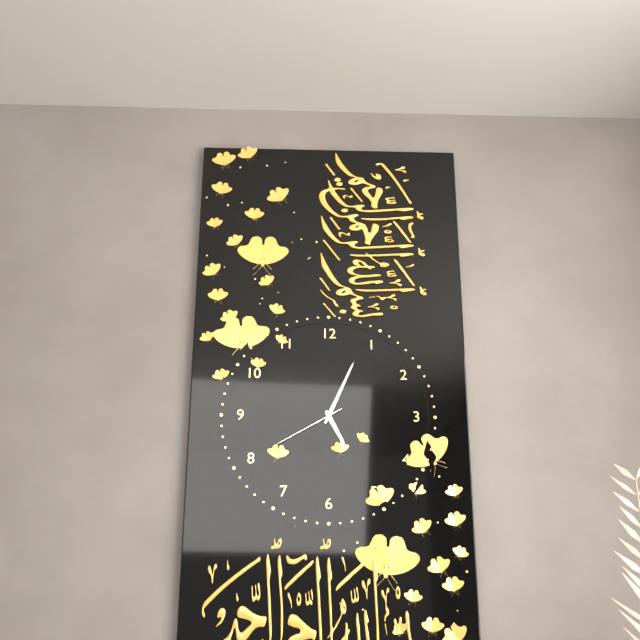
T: 5:04:40
